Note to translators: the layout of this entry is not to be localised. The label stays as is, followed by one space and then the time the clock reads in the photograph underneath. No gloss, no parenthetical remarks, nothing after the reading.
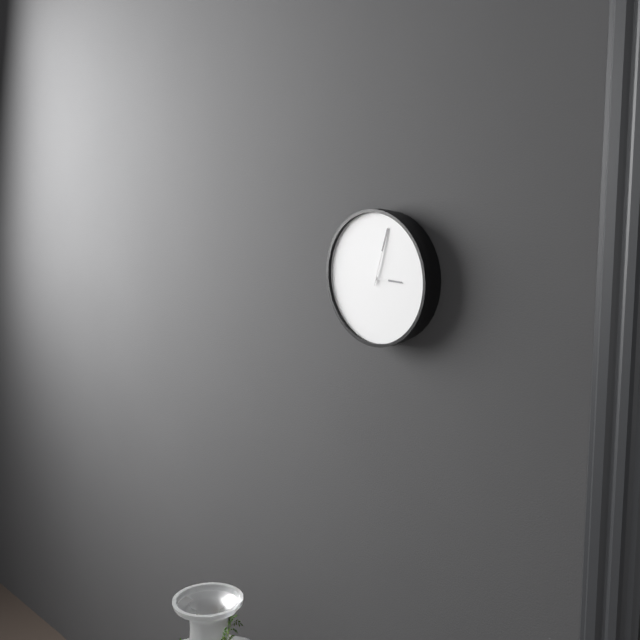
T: 3:03
